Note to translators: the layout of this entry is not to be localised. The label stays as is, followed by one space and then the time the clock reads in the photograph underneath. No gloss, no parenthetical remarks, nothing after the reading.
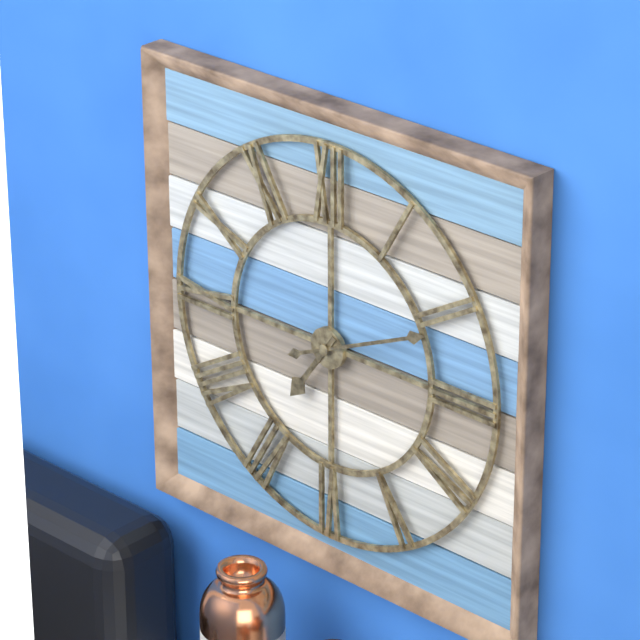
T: 7:11
